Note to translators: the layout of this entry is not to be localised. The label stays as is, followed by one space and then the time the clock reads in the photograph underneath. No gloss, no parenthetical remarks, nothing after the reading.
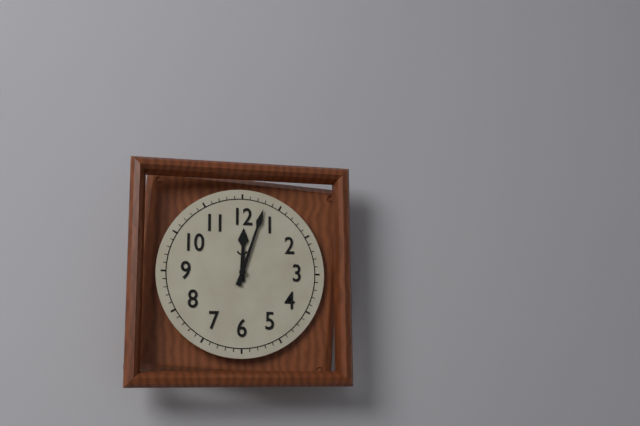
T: 12:03
